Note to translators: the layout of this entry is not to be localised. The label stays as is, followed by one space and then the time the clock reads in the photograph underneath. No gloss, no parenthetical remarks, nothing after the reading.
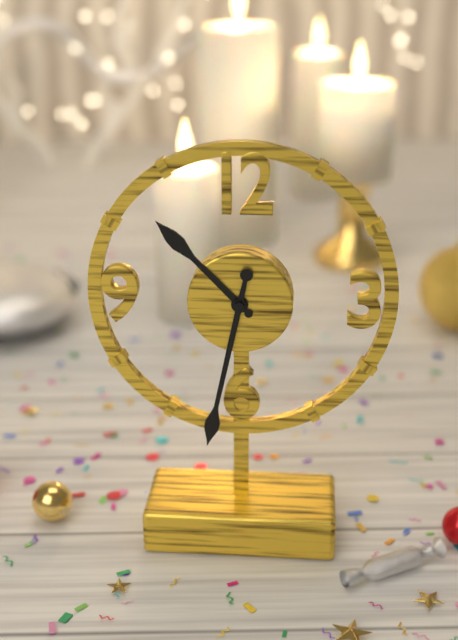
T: 10:32
